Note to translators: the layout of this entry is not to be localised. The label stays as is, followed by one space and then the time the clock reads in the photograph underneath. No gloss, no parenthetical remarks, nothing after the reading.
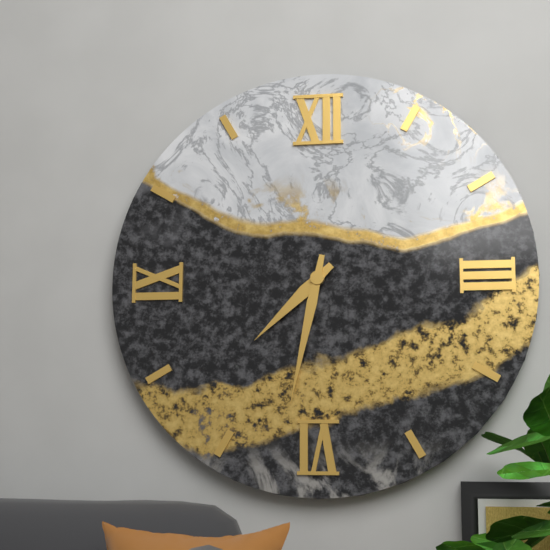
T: 7:32
